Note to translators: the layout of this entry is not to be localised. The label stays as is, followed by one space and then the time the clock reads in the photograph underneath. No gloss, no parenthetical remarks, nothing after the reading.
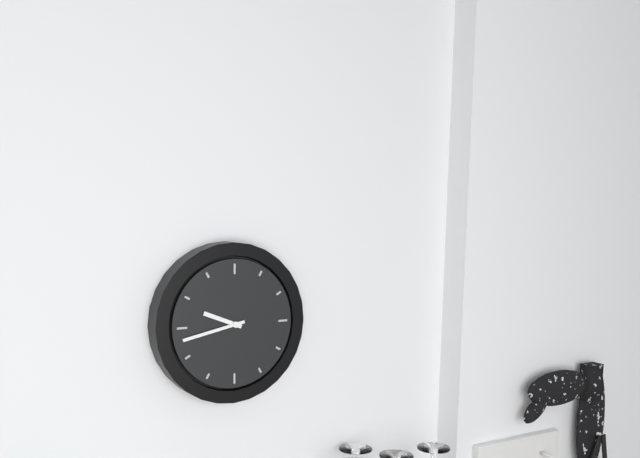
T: 9:43
